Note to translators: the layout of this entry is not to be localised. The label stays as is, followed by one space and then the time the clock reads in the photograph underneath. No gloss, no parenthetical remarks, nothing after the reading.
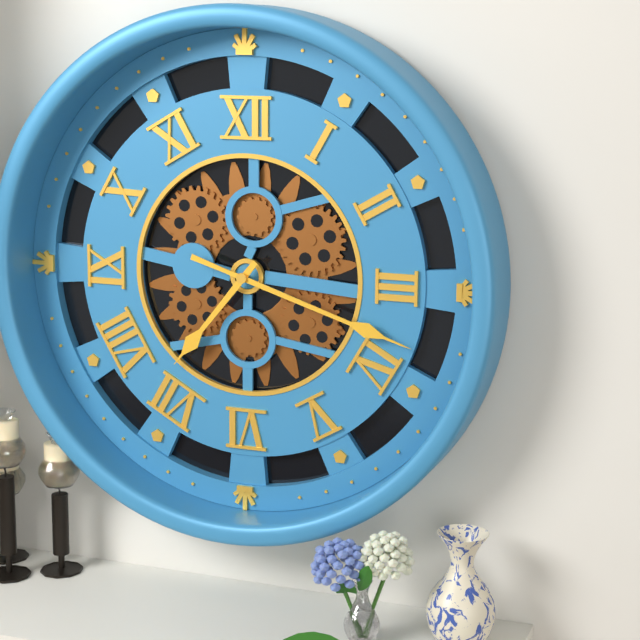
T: 7:18
